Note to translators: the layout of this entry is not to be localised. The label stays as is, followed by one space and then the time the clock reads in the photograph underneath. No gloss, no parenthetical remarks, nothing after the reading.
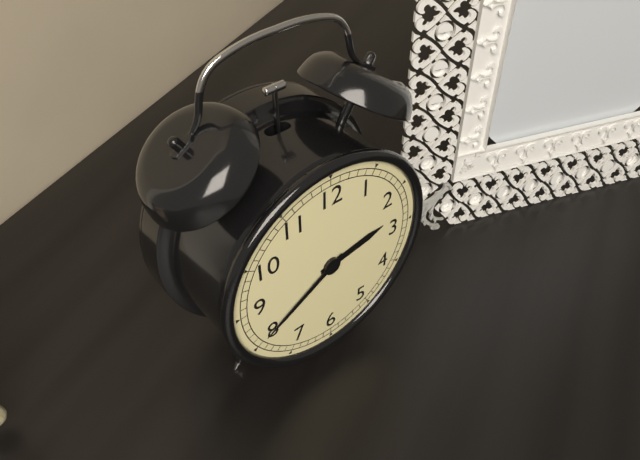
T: 2:40
